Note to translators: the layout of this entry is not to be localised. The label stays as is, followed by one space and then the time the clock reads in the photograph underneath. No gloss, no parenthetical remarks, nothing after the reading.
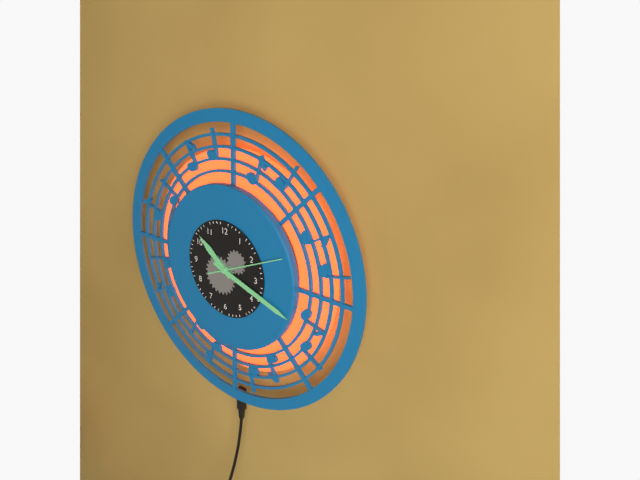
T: 10:18
